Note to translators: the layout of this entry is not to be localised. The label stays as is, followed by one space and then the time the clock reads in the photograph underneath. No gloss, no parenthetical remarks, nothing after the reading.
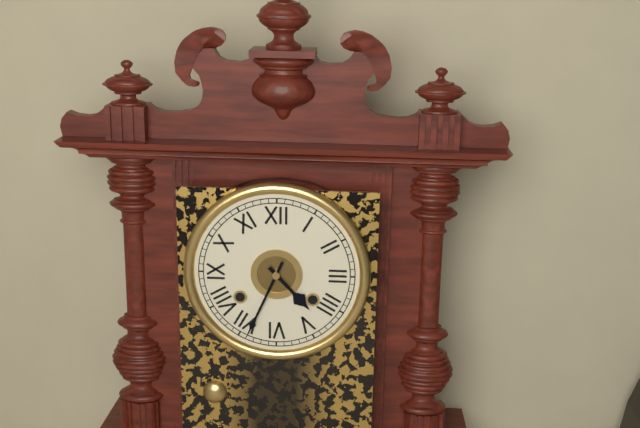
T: 4:34
